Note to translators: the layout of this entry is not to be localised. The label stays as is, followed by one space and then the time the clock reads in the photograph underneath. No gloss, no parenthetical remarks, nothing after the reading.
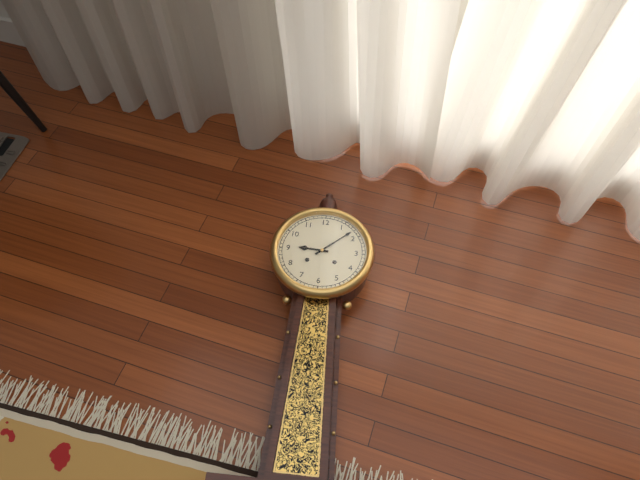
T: 9:08
